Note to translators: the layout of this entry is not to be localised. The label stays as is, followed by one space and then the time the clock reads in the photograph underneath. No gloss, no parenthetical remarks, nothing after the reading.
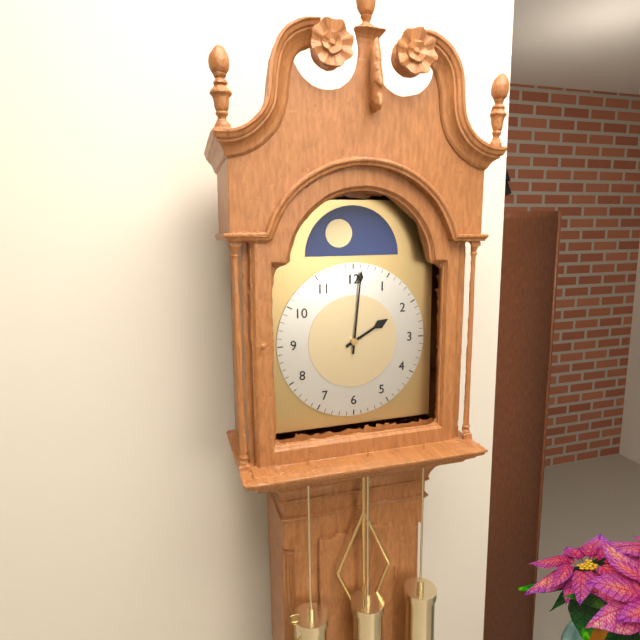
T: 2:01
